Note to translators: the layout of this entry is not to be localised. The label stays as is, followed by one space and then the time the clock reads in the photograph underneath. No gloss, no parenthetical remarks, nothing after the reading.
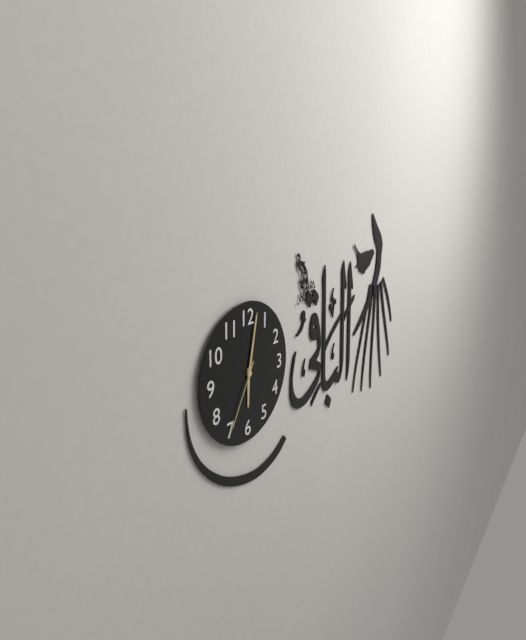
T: 6:02:35
